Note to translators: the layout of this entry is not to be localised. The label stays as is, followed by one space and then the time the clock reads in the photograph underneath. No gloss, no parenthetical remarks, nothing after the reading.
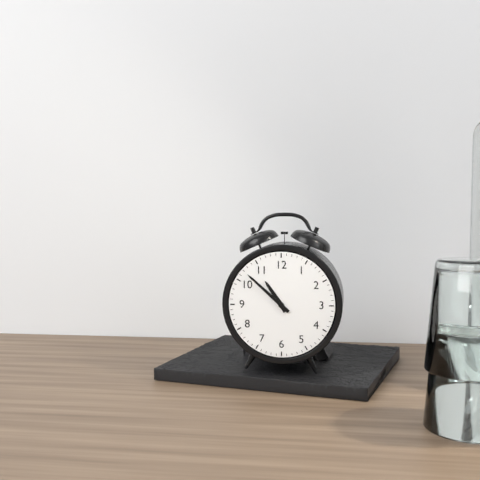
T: 10:52
